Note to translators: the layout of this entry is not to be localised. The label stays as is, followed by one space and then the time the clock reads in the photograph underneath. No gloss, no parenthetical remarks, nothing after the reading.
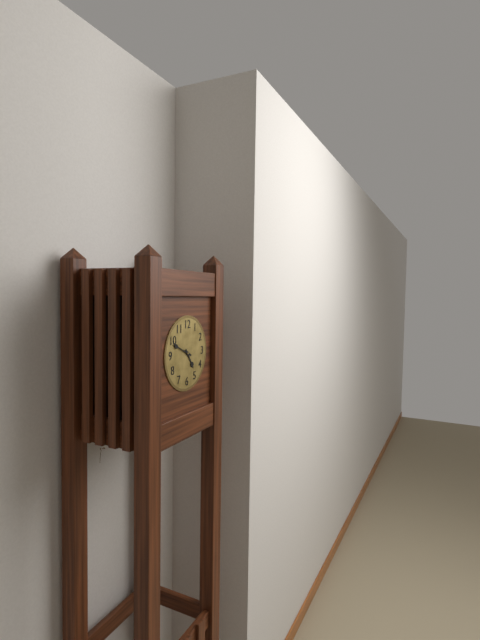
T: 4:49
